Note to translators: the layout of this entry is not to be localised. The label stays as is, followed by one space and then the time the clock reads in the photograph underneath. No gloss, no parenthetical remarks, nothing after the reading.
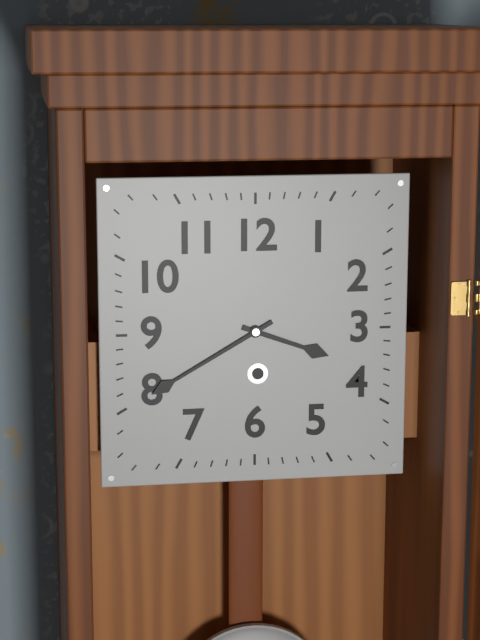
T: 3:40
